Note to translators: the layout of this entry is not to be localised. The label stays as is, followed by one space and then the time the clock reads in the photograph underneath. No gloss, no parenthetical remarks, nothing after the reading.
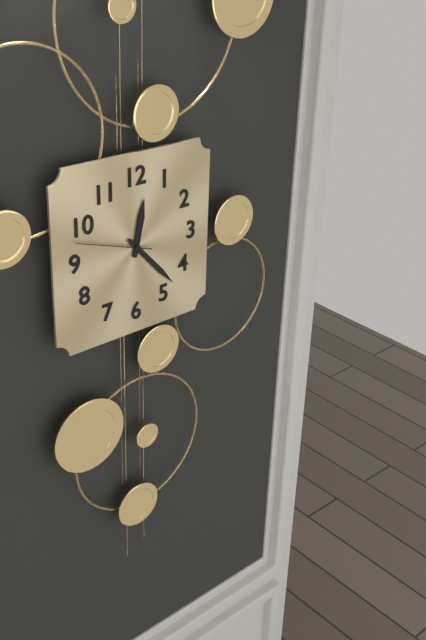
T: 12:23:48
